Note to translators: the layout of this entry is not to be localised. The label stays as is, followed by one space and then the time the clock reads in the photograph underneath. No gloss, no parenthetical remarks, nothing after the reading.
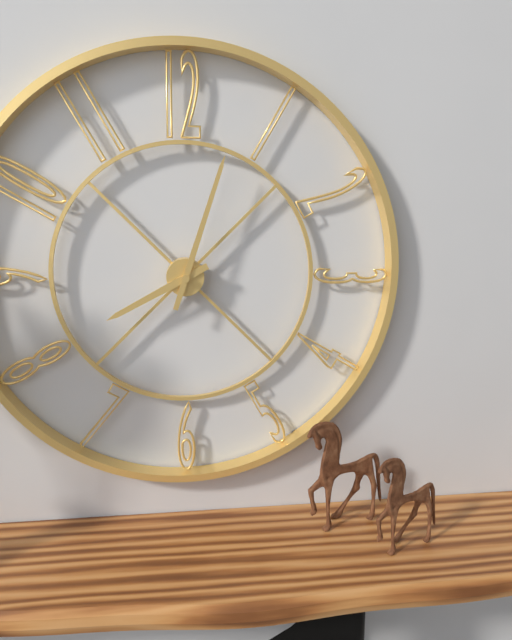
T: 8:03
